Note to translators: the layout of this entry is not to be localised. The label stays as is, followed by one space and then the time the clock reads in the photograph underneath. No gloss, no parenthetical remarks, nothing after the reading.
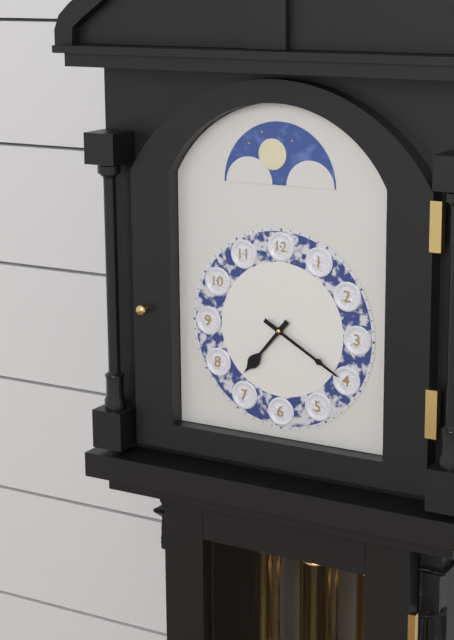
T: 7:20
